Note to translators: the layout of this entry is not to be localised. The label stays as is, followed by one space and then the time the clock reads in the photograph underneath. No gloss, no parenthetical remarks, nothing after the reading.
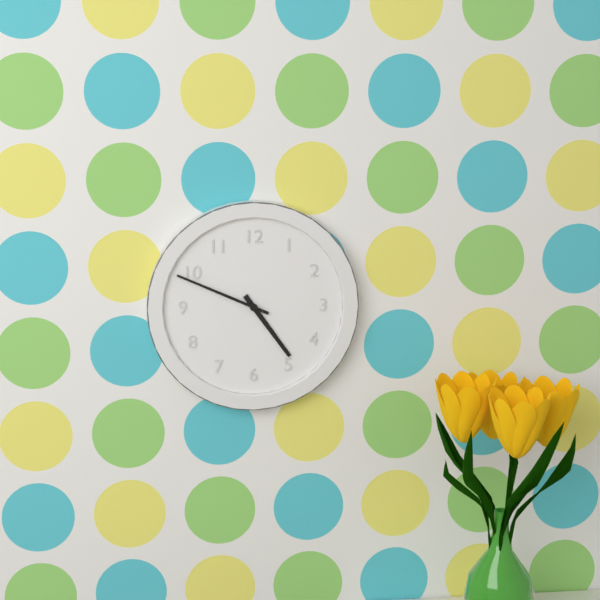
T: 4:49
